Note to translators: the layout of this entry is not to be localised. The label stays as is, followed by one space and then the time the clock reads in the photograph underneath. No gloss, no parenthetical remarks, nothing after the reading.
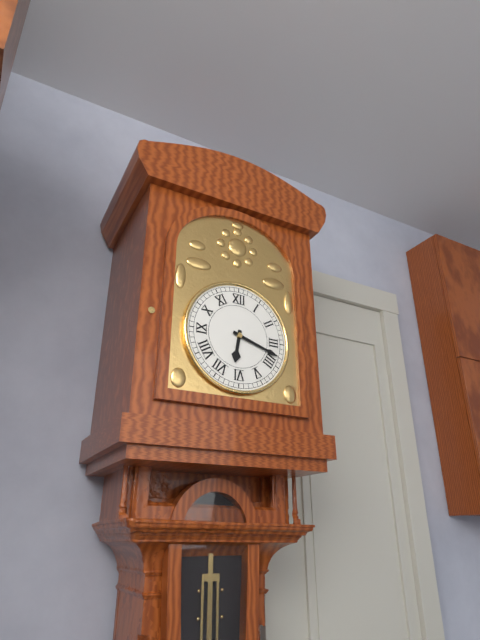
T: 6:18
